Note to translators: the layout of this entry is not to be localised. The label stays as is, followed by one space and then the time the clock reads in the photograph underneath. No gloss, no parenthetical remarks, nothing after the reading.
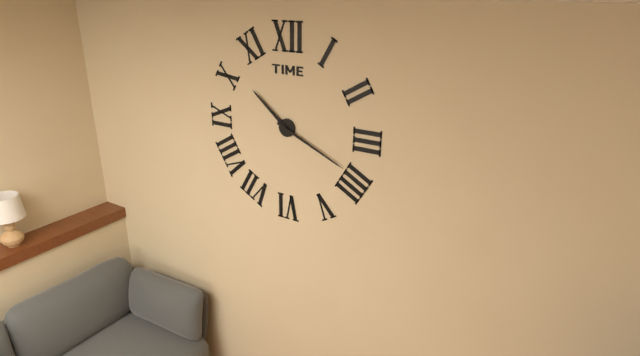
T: 10:19
